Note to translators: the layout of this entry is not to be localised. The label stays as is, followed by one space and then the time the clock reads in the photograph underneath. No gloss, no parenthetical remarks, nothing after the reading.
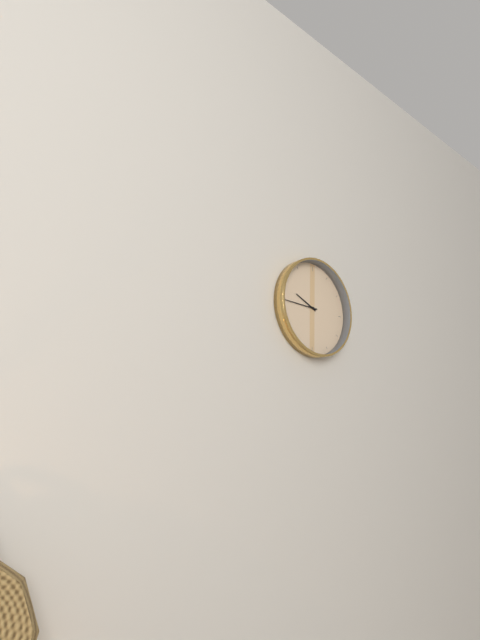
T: 9:45
